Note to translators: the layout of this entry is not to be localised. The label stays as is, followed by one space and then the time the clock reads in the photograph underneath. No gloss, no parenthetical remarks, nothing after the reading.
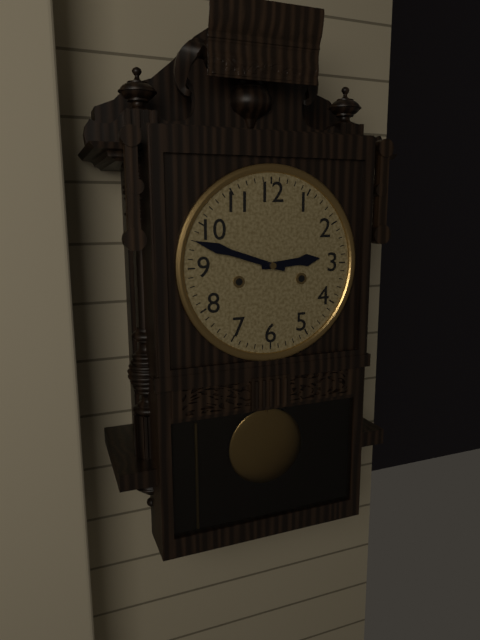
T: 2:48
